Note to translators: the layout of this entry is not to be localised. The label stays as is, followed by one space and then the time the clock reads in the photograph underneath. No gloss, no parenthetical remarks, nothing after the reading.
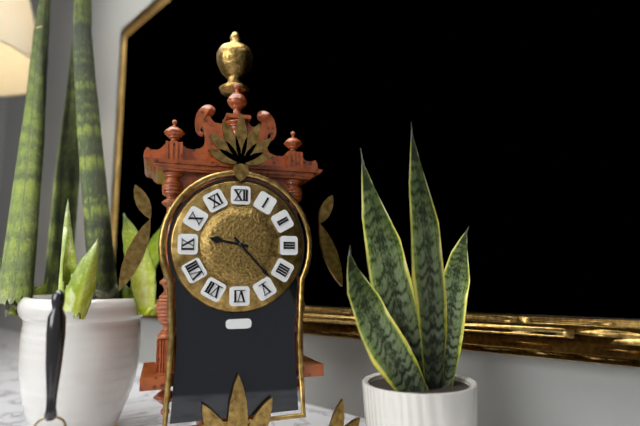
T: 9:23
